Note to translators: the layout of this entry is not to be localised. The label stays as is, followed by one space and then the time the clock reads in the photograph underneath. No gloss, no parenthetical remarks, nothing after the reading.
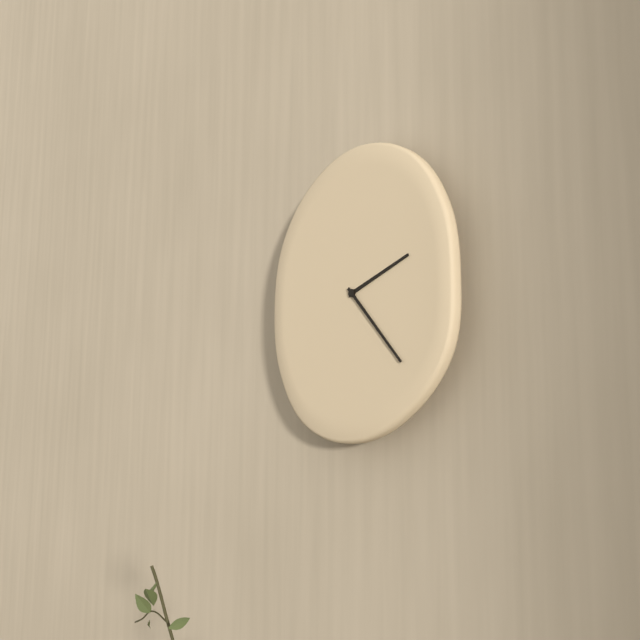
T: 2:23
